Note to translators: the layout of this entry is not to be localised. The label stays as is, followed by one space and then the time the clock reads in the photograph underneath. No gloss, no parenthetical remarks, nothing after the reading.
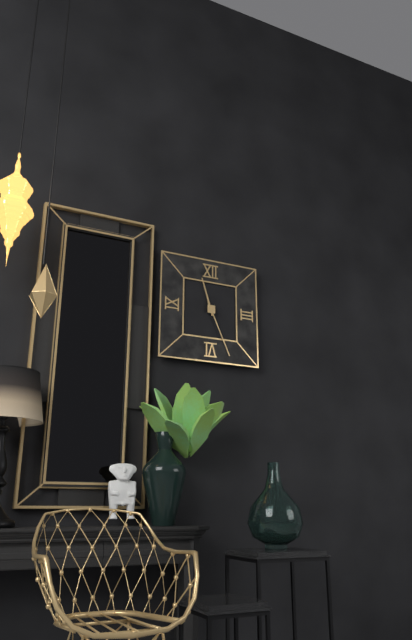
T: 11:26
